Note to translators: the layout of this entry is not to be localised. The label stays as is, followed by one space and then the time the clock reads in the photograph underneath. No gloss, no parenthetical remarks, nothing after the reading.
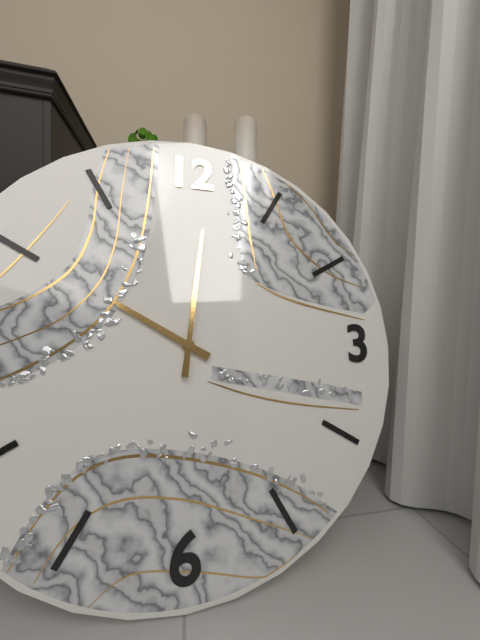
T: 10:01
